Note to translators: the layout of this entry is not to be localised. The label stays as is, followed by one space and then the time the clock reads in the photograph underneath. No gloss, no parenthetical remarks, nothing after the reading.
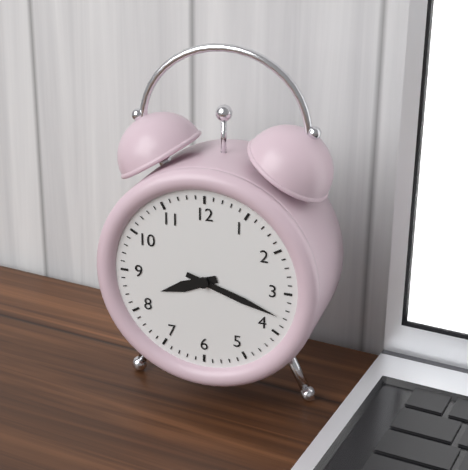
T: 8:18
